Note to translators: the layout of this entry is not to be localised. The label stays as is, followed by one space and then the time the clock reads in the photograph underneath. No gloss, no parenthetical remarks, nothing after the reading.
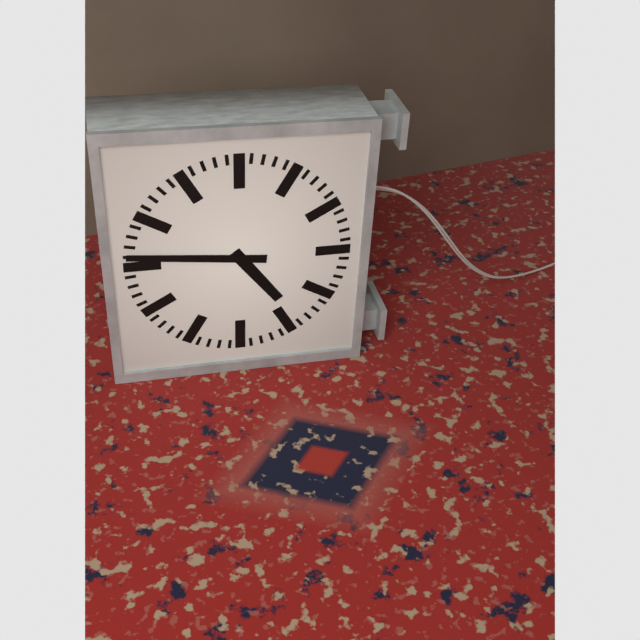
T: 4:46
